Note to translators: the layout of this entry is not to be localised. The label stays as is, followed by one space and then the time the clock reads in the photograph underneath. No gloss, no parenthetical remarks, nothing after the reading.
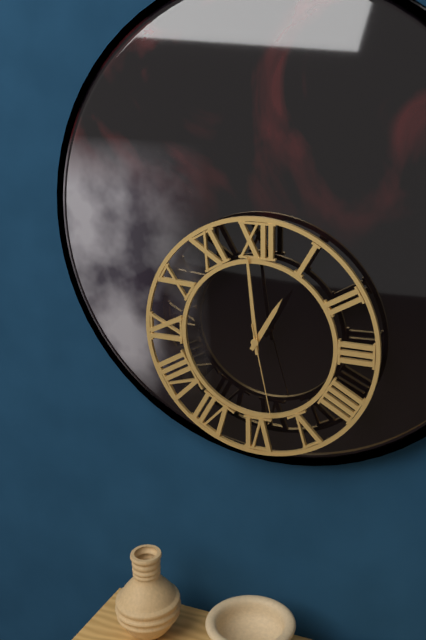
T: 12:59:28
